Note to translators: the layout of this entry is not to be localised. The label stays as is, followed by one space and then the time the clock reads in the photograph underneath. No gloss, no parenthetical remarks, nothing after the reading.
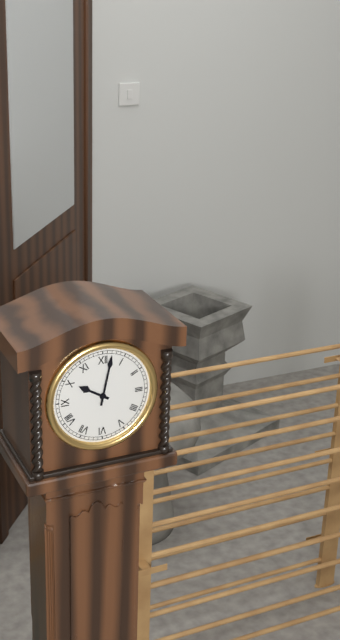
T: 10:02
